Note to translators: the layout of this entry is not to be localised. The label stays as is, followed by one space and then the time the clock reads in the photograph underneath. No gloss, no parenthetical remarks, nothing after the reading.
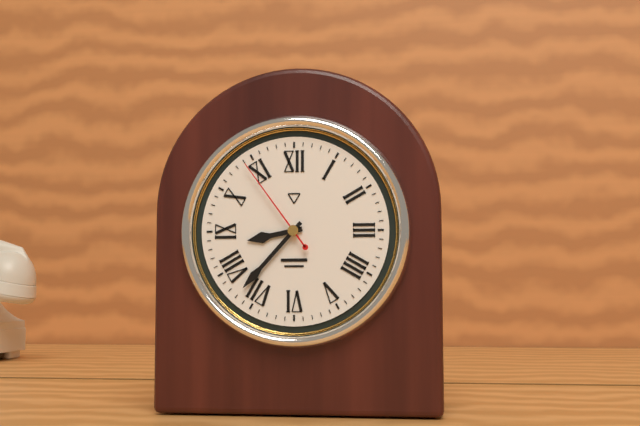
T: 8:37:54
